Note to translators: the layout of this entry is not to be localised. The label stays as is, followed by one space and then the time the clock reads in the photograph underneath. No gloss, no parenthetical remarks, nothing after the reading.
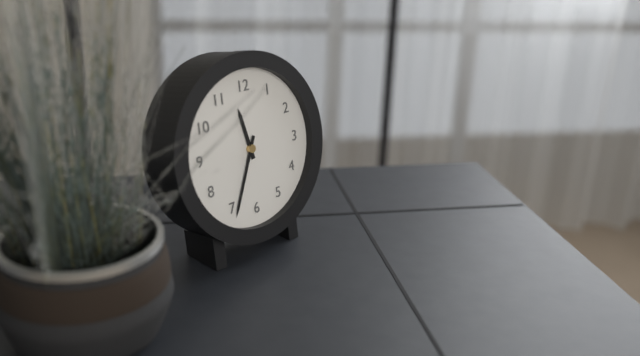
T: 11:34
